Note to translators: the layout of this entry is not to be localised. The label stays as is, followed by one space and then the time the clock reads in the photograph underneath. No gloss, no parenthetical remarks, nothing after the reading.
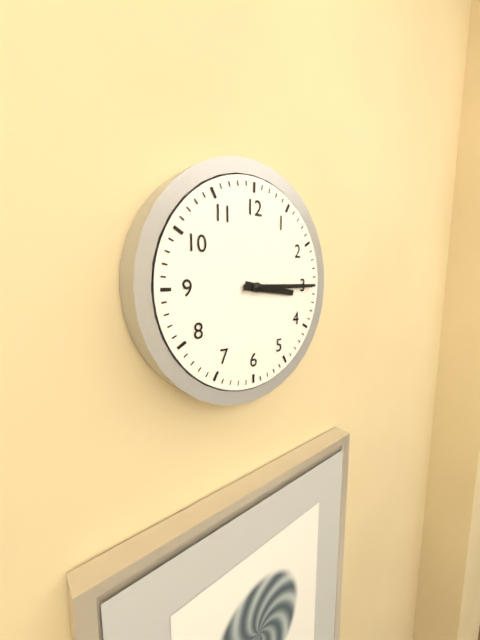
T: 3:15
